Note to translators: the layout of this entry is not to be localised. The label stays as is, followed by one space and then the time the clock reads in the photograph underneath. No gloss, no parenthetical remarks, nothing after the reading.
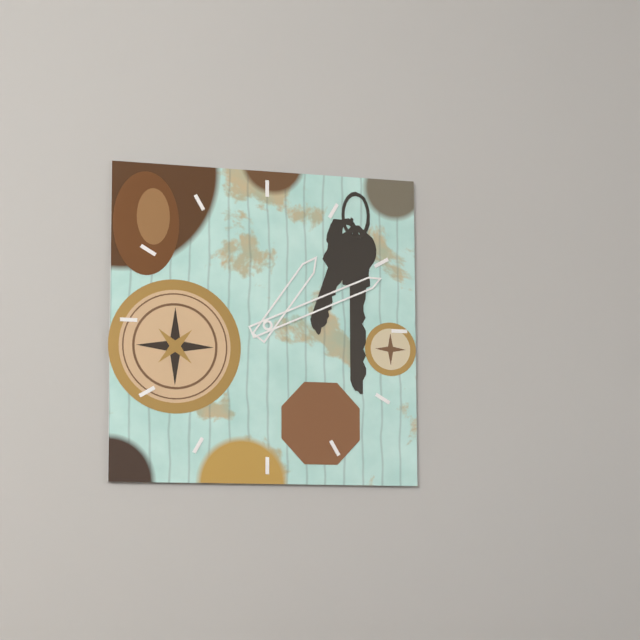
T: 1:11
